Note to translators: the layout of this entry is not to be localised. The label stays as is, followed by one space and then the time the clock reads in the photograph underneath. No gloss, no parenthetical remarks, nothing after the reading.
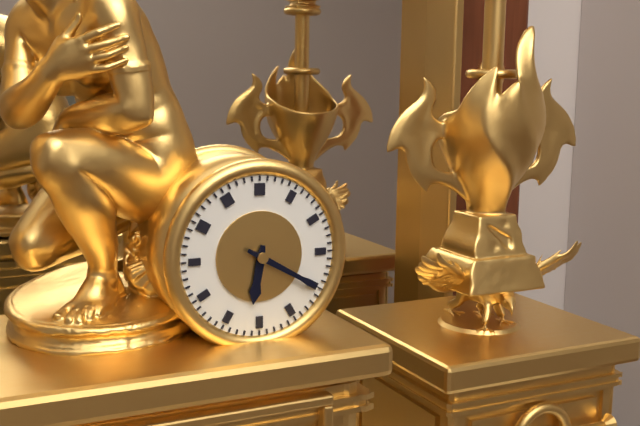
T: 6:20
